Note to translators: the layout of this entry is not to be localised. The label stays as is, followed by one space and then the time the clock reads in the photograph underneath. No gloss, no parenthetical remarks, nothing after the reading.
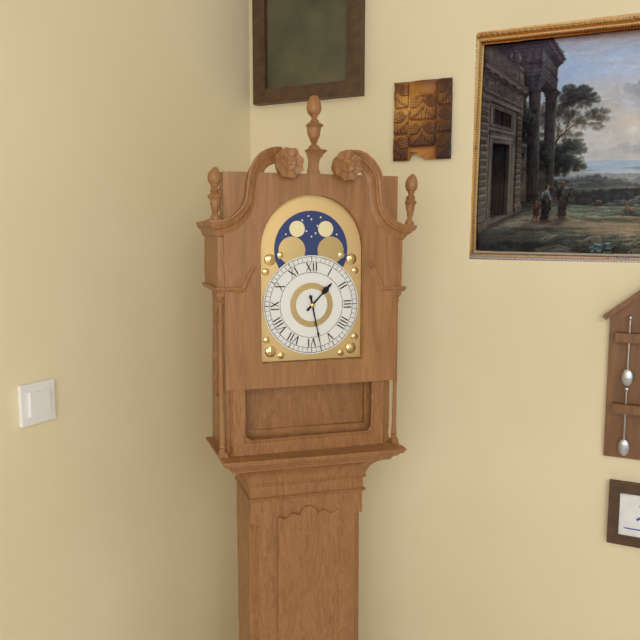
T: 1:28
